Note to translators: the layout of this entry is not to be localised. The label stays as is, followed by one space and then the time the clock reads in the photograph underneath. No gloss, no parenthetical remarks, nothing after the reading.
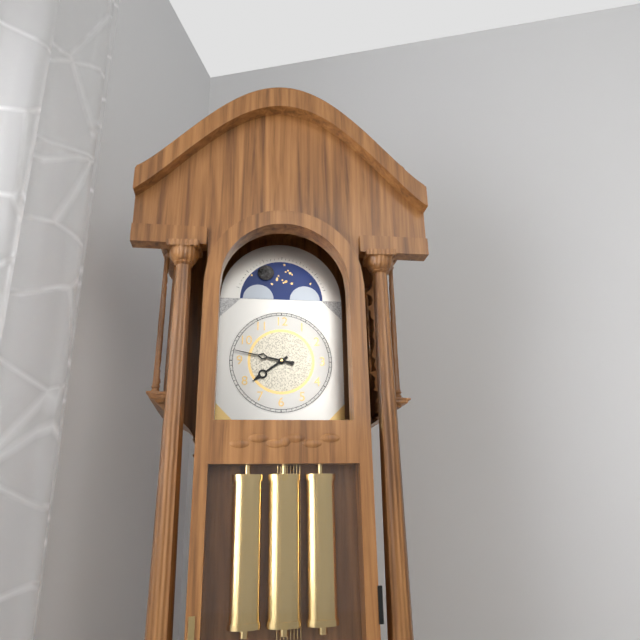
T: 7:47
